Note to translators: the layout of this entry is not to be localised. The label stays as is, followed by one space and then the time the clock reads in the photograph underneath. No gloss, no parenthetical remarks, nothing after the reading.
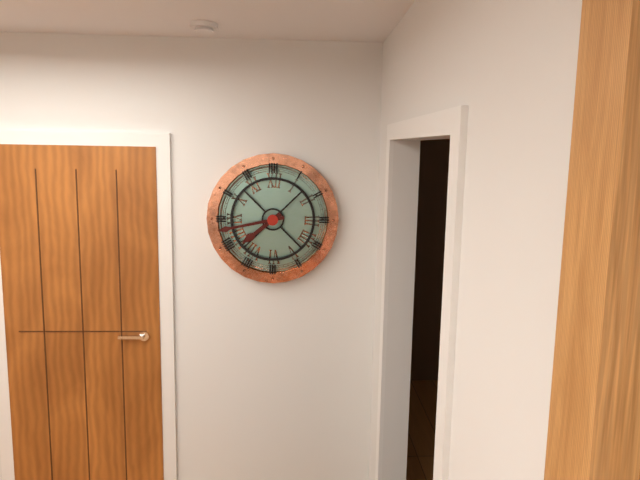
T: 7:43
